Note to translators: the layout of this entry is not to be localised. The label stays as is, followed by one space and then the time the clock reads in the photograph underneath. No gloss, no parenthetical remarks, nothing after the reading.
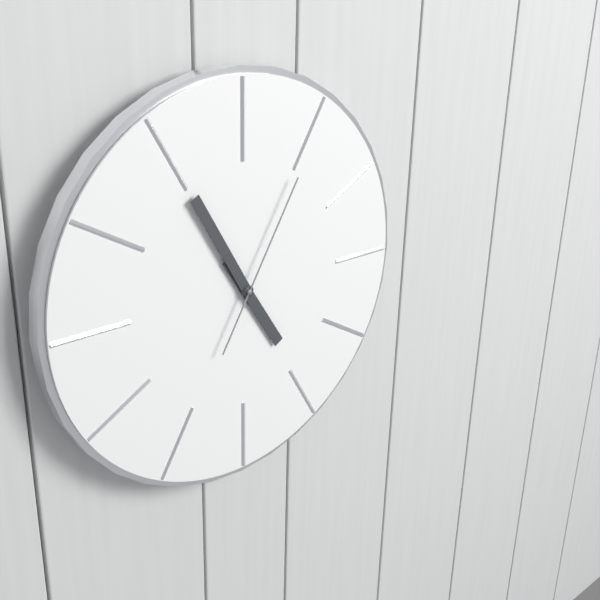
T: 4:55:05
